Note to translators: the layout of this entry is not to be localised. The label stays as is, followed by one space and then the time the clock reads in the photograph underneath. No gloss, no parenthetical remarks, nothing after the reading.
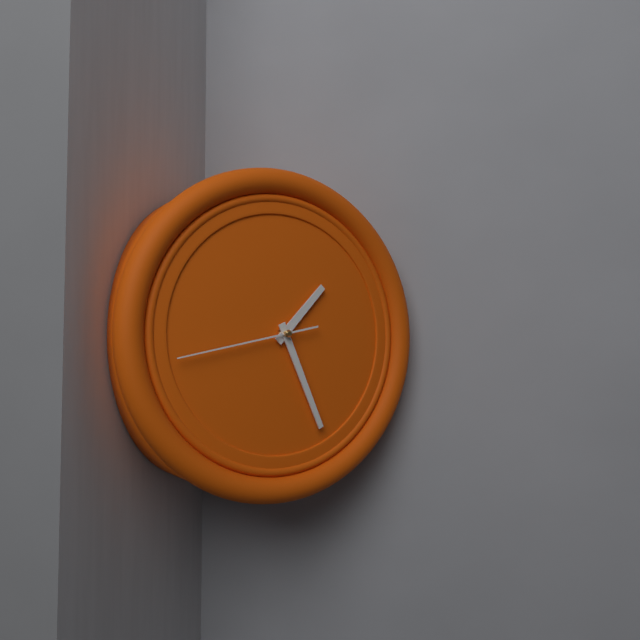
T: 1:26:43
